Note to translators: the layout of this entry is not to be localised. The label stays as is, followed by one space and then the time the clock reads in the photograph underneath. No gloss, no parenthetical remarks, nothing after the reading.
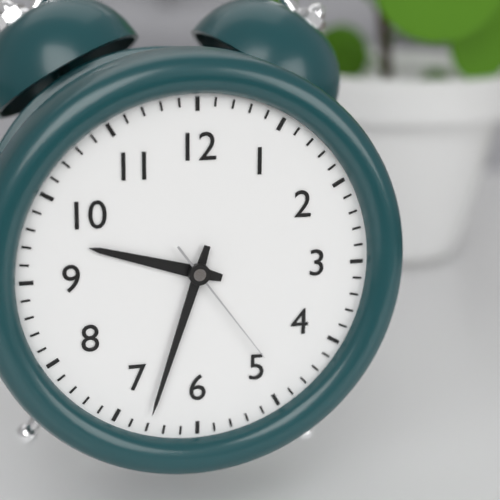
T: 9:33:24
